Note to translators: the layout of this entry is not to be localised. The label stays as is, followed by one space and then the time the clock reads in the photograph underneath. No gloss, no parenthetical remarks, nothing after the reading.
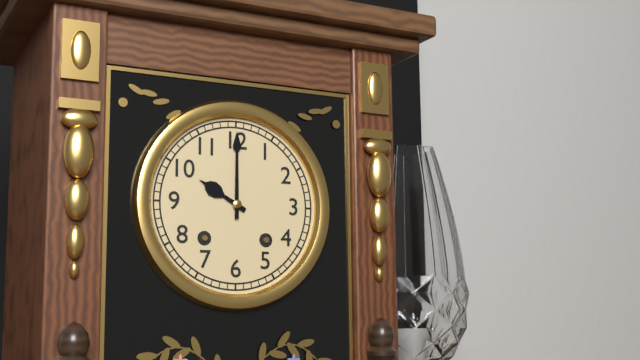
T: 10:00
